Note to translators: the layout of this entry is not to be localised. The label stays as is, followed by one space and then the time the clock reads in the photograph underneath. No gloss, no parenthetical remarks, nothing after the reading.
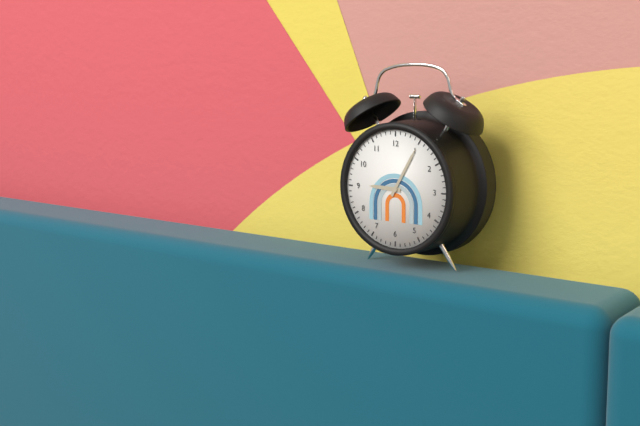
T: 9:05
